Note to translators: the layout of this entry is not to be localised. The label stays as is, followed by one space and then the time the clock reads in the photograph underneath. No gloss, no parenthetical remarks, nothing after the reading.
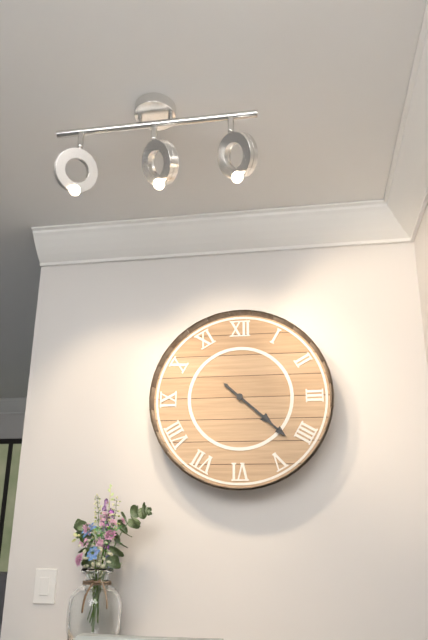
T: 4:22
